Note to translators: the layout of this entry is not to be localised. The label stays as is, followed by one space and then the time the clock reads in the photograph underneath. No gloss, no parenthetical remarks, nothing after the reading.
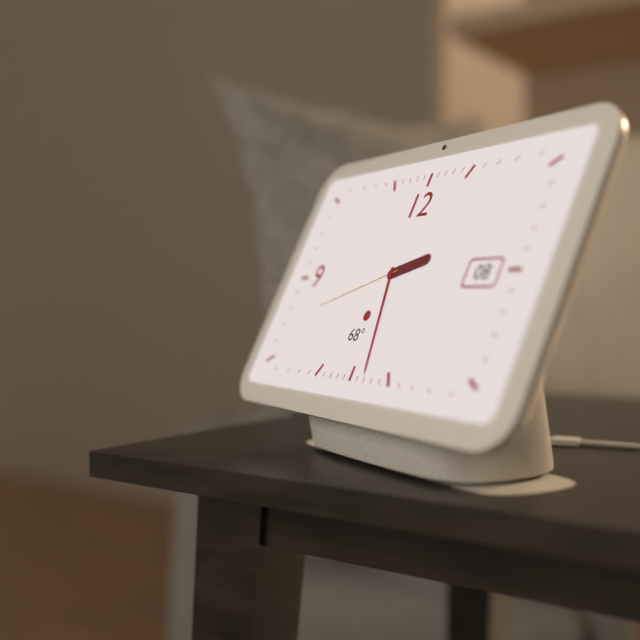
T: 2:28:42
